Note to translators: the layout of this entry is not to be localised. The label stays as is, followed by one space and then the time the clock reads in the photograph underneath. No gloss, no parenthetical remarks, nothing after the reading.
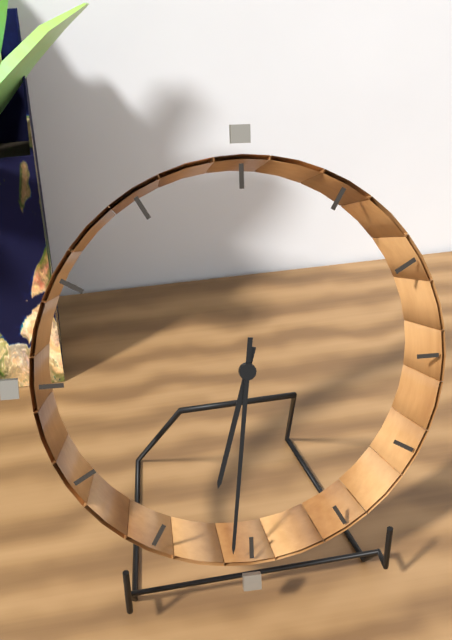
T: 6:31
